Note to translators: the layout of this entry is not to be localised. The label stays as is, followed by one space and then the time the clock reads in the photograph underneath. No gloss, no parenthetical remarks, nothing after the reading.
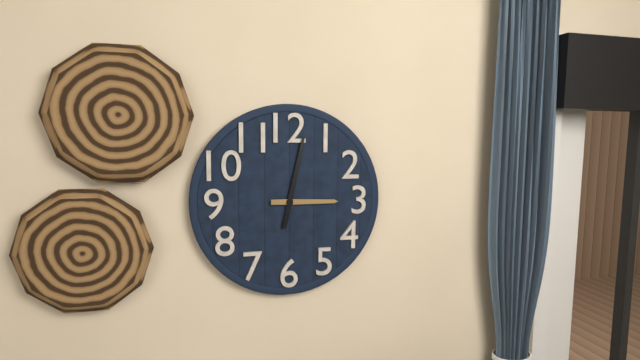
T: 3:02
